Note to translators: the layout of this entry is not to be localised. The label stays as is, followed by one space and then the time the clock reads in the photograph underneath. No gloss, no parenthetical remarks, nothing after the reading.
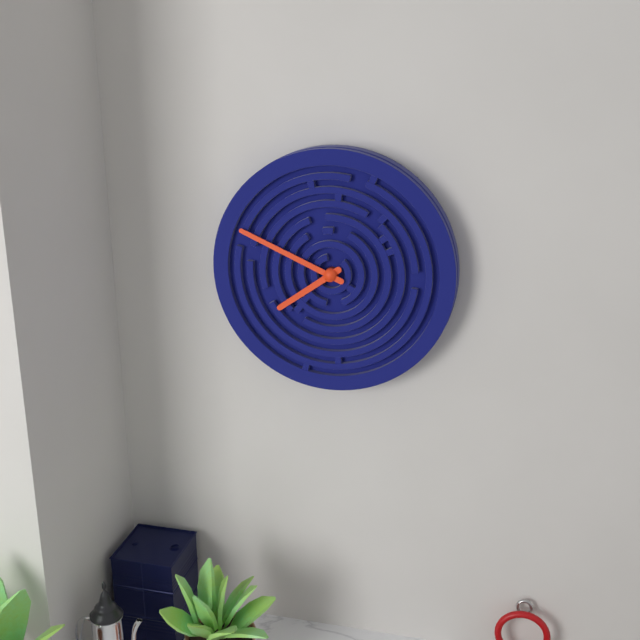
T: 7:49
